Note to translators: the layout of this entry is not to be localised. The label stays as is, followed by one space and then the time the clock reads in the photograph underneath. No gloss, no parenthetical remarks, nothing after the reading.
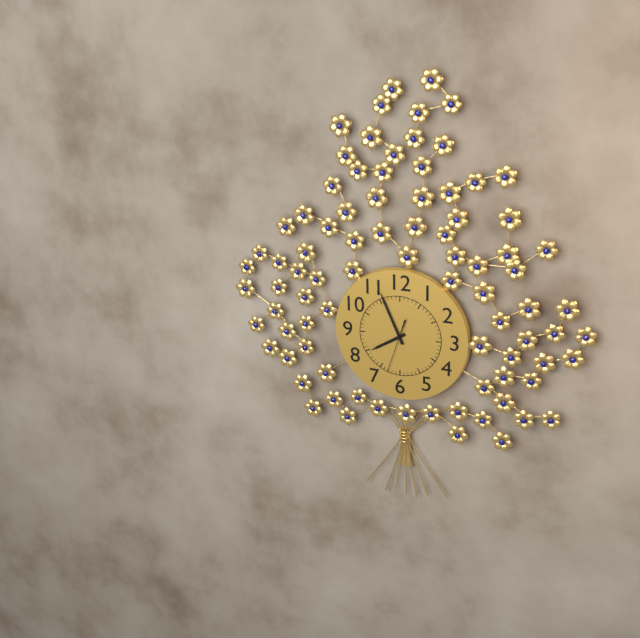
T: 7:56
